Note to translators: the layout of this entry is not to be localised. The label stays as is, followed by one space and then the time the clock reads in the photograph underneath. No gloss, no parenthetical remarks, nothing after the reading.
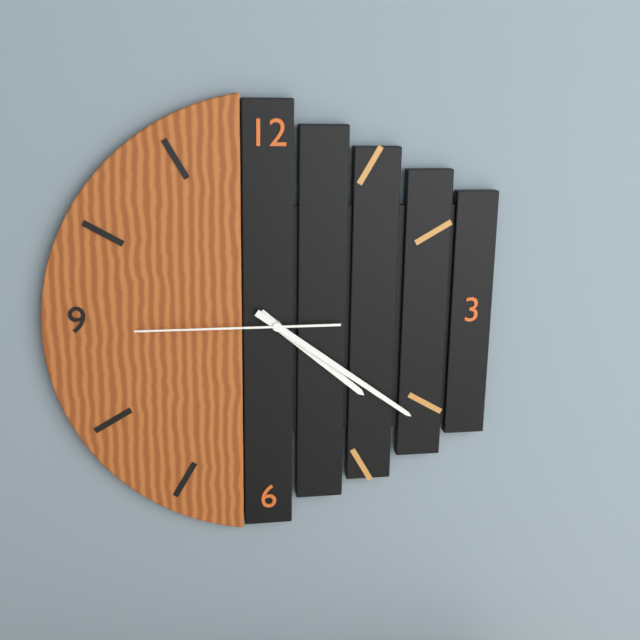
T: 4:21:45
